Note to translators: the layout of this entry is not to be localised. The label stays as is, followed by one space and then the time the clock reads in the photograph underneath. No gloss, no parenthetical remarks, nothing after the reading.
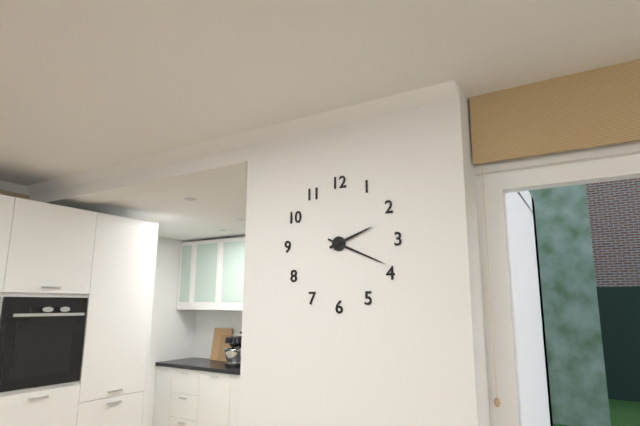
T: 2:19
